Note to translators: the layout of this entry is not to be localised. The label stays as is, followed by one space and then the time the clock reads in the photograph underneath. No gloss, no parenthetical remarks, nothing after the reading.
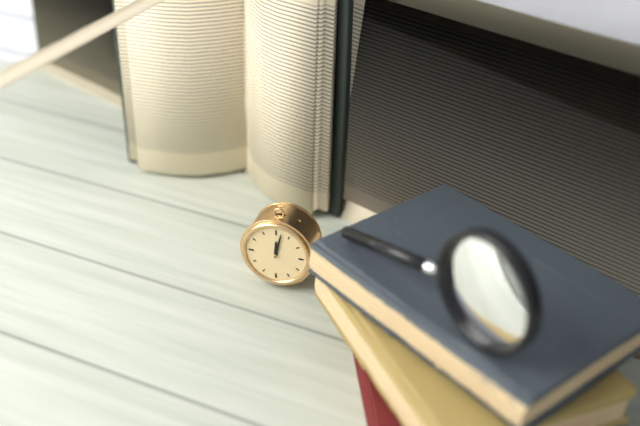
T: 12:02
